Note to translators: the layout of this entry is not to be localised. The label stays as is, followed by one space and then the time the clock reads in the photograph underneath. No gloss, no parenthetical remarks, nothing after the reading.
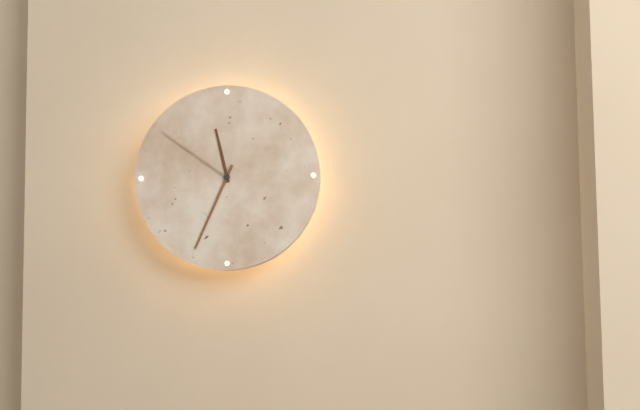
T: 11:34:51
